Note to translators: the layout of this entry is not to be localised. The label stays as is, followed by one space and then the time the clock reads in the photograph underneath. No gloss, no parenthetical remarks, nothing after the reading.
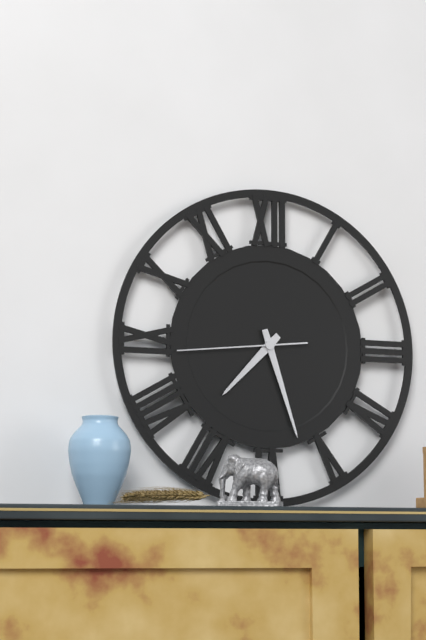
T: 7:27:44
